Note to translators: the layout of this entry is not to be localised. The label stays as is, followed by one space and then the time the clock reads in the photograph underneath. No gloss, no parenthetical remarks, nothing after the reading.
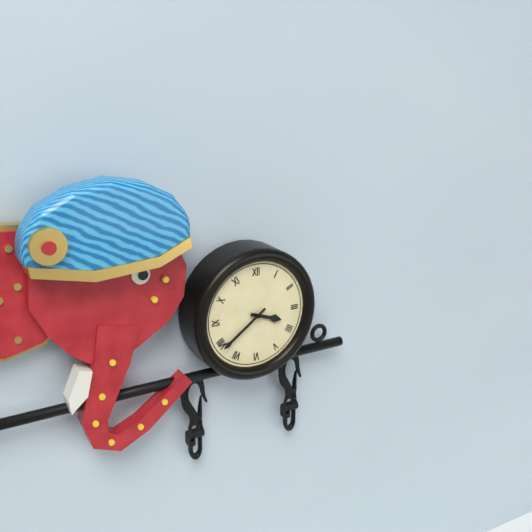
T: 3:39
